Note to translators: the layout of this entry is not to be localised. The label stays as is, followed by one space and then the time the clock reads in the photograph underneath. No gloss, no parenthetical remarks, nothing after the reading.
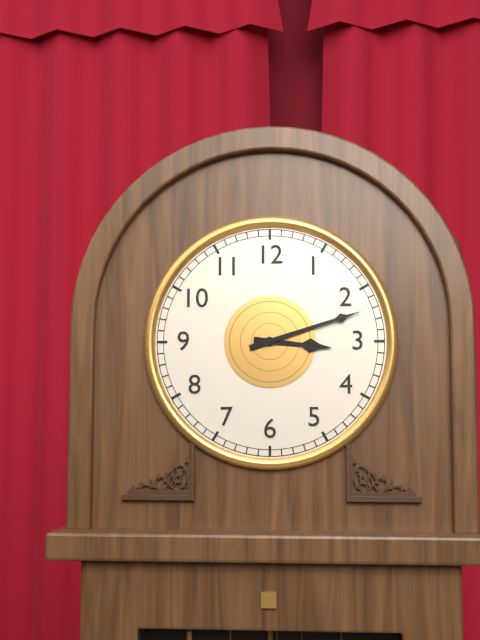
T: 3:12
